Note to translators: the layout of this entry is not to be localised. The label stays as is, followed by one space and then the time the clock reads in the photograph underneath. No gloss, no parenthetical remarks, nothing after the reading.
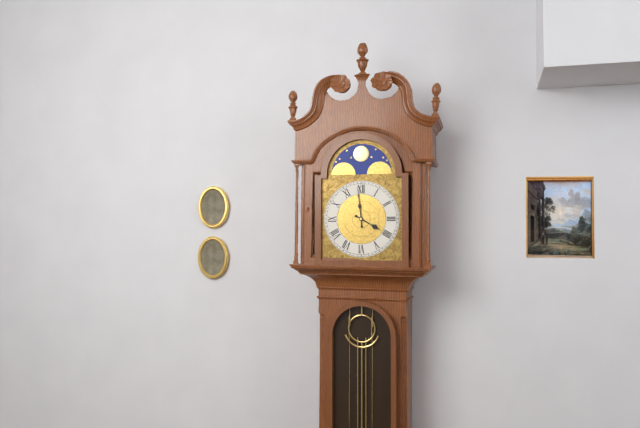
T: 3:59
